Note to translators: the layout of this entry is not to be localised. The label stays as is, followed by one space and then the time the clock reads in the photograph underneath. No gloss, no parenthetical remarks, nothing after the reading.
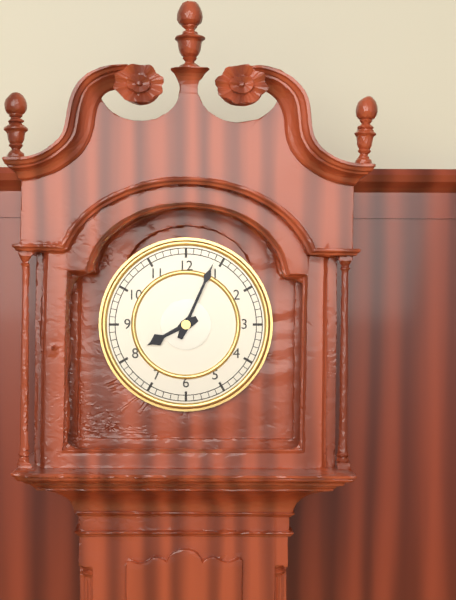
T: 8:04
